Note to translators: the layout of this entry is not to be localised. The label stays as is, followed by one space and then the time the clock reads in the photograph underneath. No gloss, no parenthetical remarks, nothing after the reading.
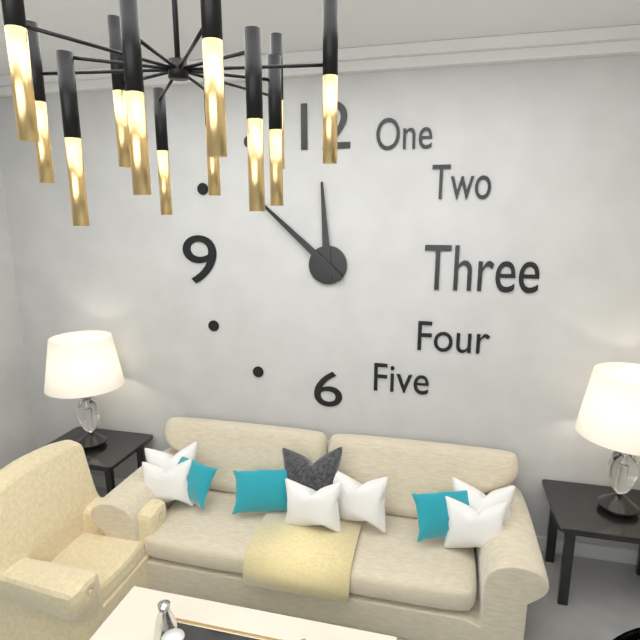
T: 11:52
